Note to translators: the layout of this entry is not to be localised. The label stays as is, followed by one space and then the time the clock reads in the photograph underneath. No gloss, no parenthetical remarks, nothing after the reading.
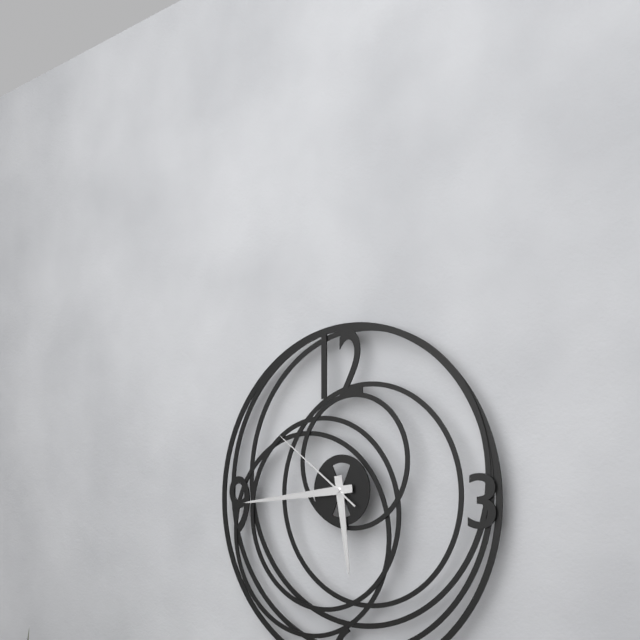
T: 5:44:51
